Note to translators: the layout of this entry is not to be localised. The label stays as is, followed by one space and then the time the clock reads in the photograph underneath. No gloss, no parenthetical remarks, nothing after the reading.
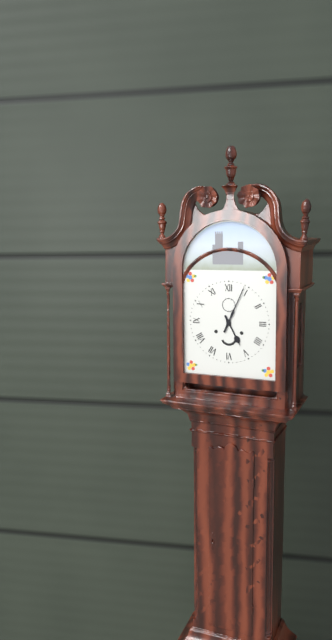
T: 5:04
